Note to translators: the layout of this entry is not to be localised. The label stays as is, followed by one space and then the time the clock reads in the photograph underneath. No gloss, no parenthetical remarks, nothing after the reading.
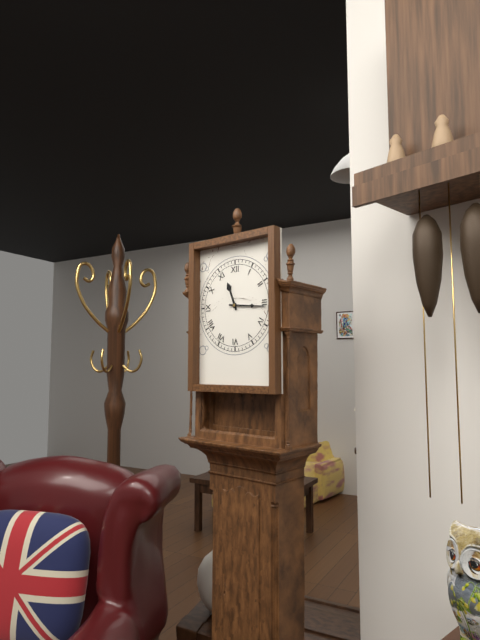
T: 11:16
